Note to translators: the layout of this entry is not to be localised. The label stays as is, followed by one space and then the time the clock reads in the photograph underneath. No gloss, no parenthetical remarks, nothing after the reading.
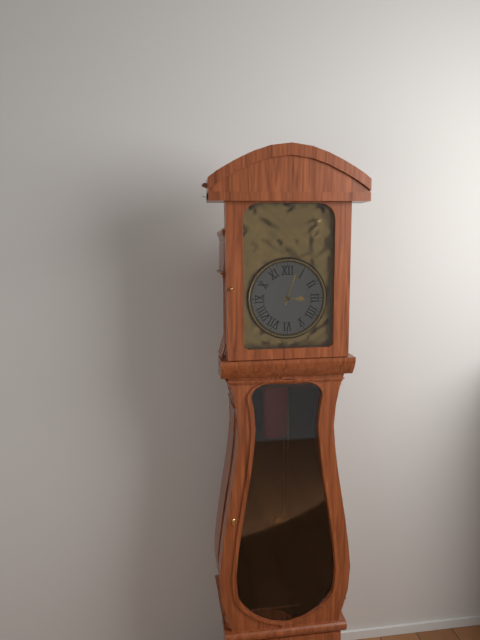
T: 3:03
